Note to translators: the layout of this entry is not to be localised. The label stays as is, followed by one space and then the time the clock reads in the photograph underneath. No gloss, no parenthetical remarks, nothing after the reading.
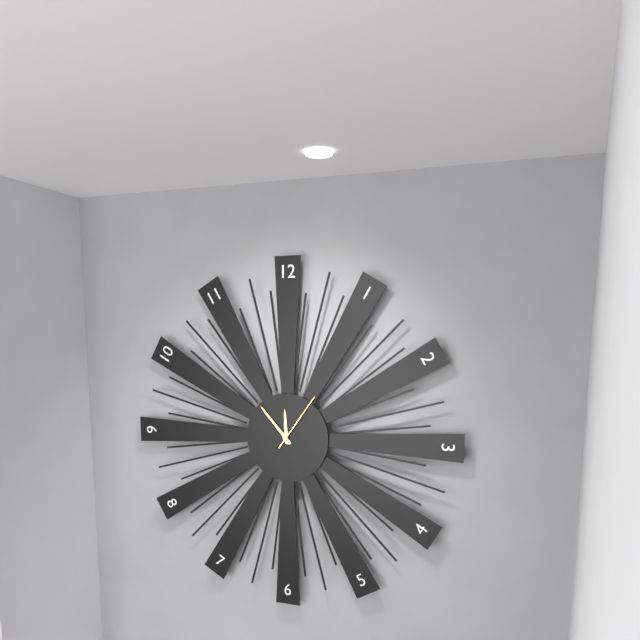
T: 11:53:06
